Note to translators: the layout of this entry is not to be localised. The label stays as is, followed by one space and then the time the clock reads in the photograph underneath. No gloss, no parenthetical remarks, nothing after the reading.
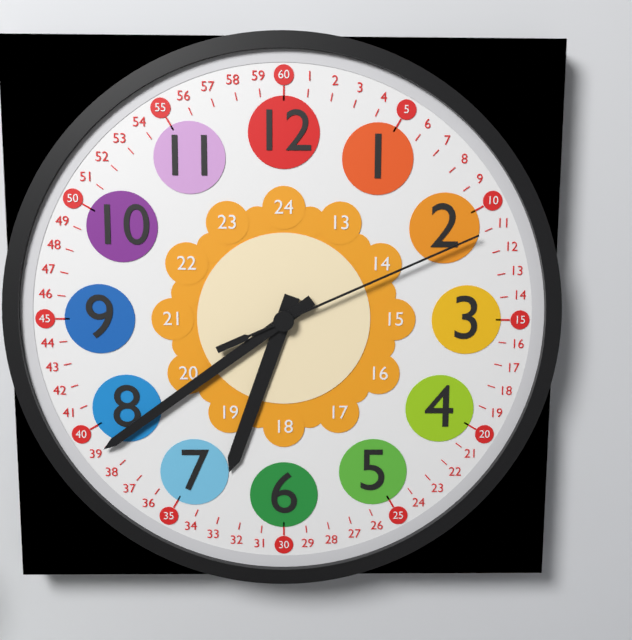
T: 6:39:11
